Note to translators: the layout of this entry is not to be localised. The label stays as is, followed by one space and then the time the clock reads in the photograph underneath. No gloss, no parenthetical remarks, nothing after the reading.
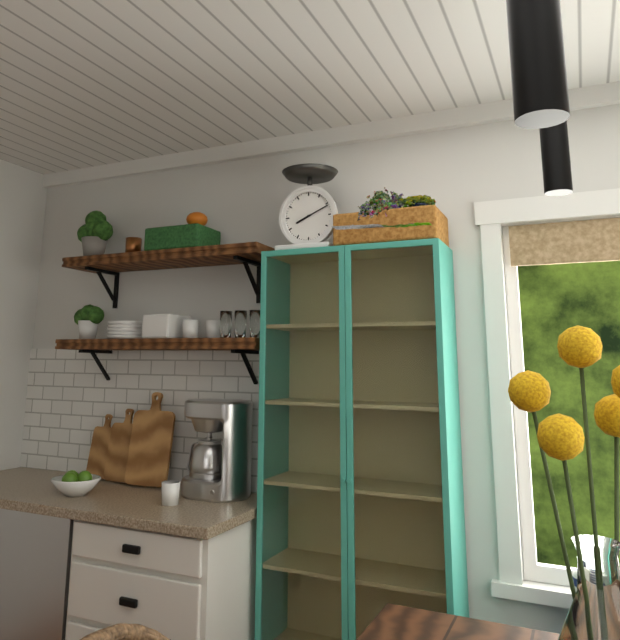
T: 8:11
